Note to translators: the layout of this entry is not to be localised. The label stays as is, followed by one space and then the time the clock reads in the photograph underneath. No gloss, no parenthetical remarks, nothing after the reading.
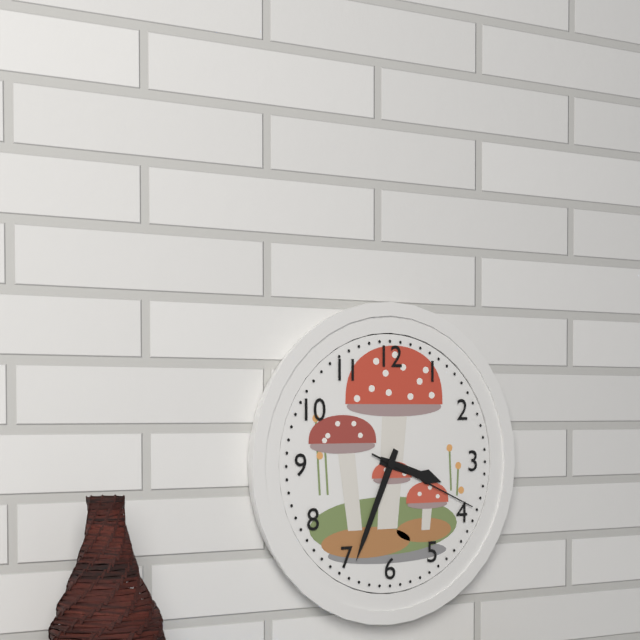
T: 3:34:19
